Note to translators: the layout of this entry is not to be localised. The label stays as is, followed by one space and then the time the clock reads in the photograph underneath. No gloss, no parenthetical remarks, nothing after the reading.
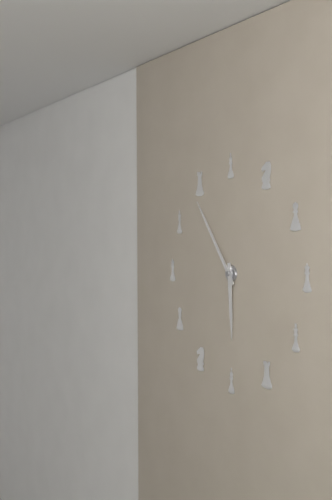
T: 5:54
